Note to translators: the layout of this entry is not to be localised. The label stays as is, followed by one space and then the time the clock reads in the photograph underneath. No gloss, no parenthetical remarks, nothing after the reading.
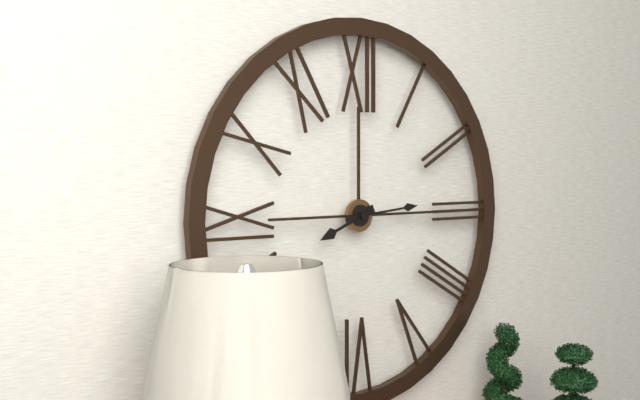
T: 8:14
